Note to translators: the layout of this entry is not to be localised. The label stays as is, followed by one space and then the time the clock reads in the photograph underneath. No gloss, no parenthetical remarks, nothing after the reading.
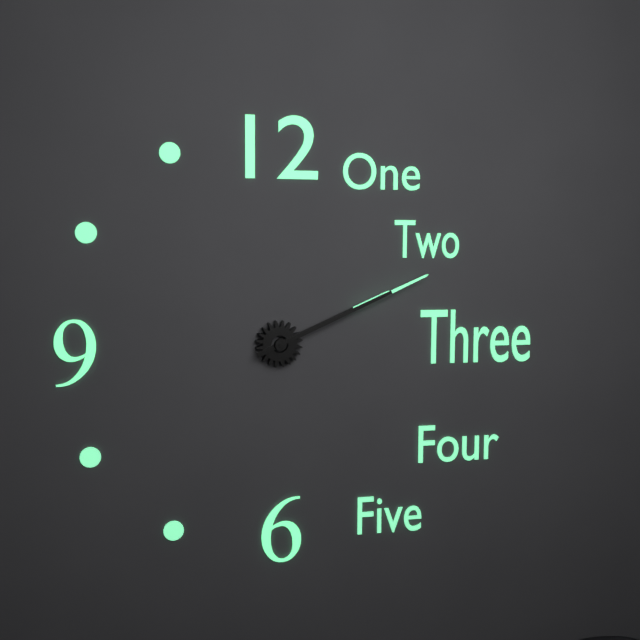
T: 2:11
